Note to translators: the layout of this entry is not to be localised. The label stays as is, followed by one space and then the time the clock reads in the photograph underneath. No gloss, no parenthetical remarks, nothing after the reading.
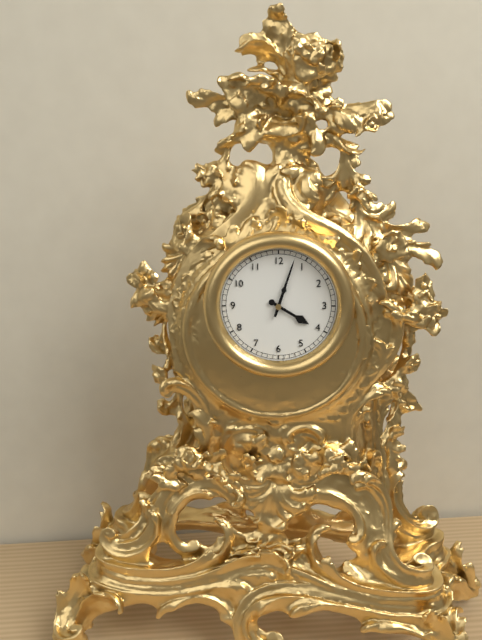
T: 4:03
